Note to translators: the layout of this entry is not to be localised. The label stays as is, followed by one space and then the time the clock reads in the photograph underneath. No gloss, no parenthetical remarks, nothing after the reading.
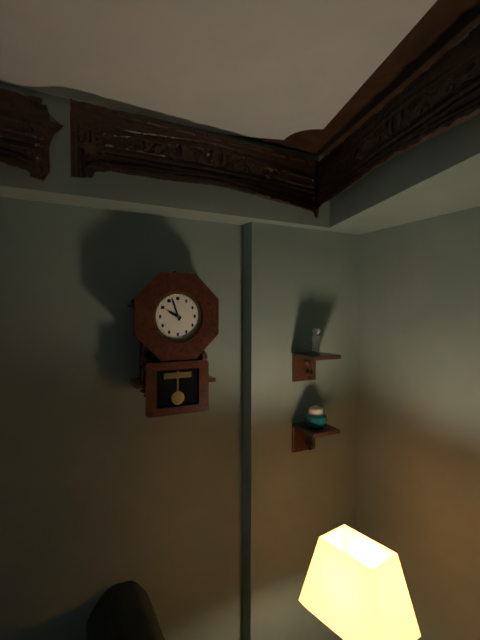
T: 9:57
